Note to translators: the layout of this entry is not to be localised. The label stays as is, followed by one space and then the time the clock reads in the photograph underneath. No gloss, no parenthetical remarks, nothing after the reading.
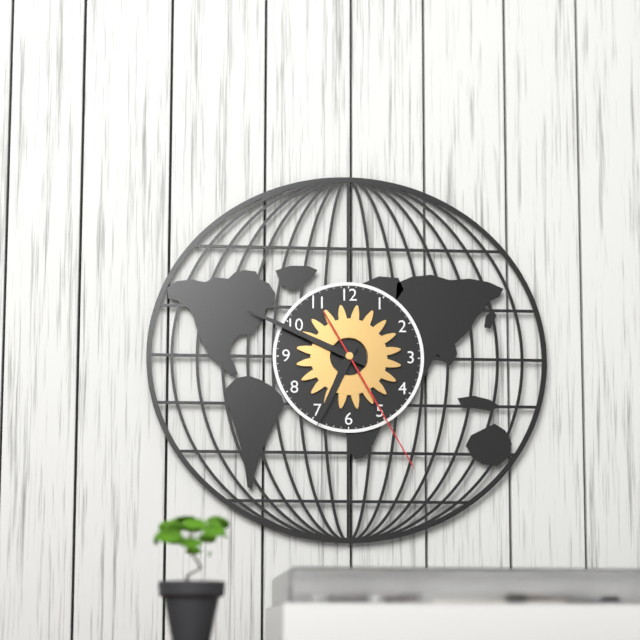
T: 6:49:25
